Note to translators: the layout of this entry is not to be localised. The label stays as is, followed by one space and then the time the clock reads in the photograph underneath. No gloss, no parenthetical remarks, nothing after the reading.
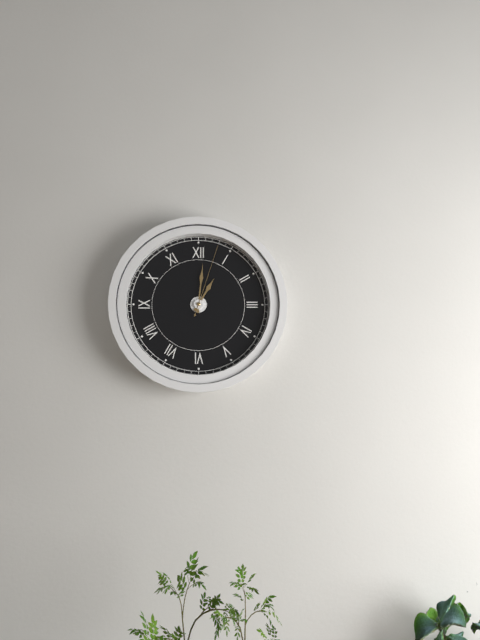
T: 1:01:03
